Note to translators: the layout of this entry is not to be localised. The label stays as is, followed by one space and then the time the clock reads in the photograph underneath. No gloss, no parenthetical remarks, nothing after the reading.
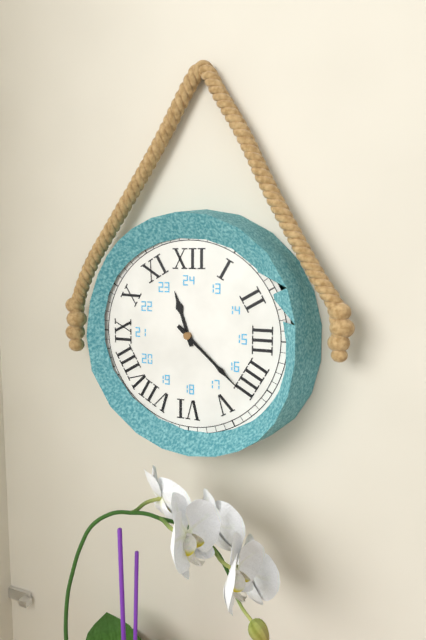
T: 11:22
